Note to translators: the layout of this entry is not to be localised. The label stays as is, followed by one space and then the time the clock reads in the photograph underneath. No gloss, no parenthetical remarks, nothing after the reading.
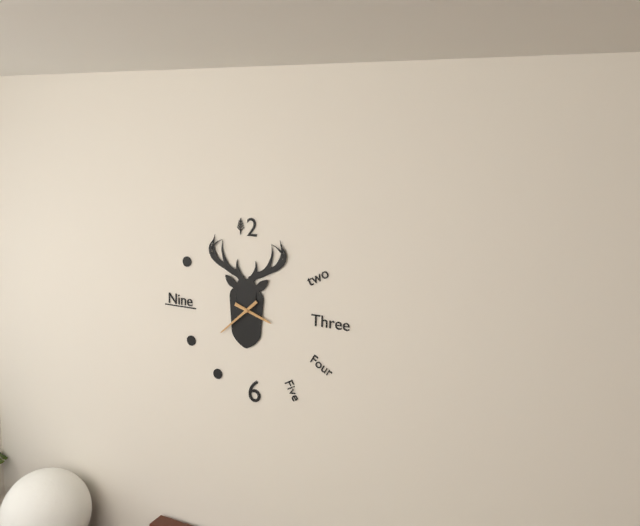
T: 3:38
